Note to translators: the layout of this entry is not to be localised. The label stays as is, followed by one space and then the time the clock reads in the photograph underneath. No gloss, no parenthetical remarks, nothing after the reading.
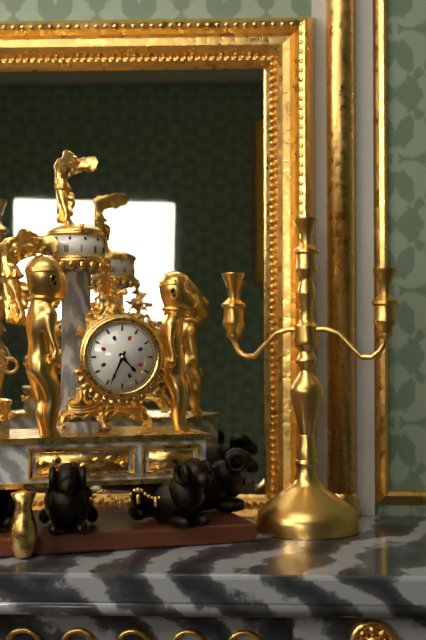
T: 4:34
